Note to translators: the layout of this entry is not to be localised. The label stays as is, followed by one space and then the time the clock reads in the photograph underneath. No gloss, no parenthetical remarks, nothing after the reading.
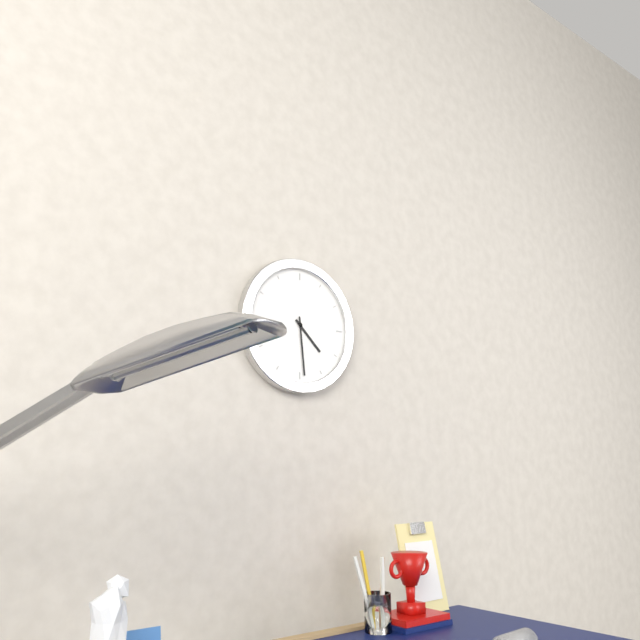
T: 4:29
